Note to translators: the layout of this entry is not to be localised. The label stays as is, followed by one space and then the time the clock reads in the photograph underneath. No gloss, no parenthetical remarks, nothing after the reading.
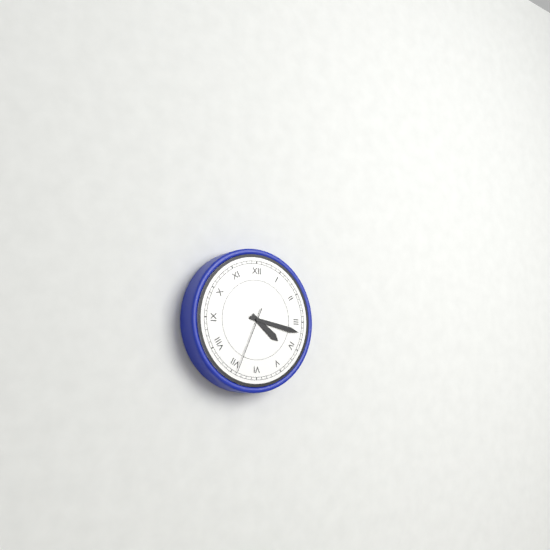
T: 4:17:34
